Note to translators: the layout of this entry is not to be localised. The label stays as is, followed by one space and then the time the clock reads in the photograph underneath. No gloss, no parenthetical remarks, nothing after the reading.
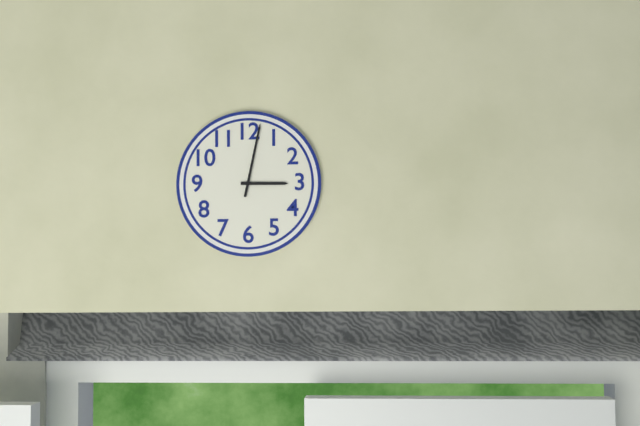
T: 3:02
